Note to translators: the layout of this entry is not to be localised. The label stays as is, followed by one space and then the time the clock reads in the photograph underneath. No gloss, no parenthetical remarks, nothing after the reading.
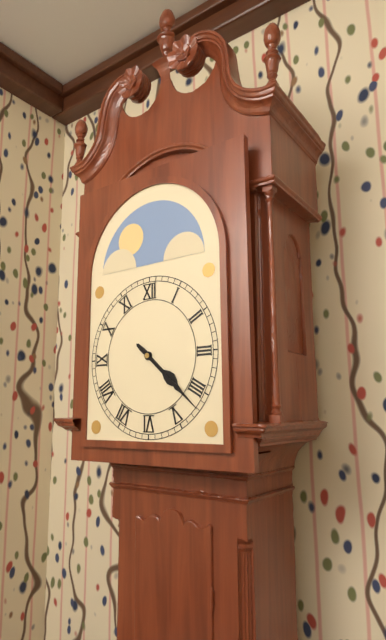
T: 4:22
